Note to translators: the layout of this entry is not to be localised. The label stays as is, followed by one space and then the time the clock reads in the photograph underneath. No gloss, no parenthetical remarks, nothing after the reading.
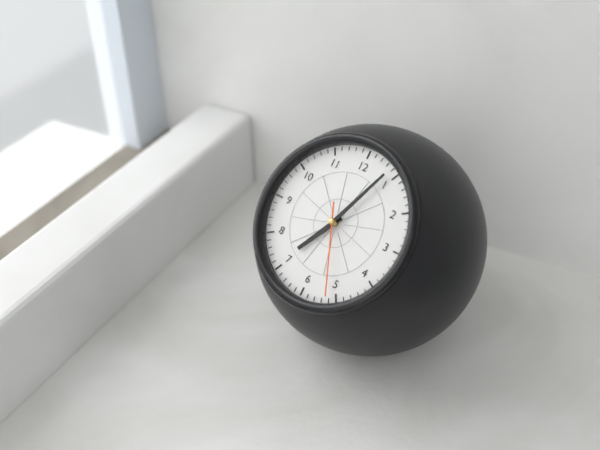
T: 7:04:26
